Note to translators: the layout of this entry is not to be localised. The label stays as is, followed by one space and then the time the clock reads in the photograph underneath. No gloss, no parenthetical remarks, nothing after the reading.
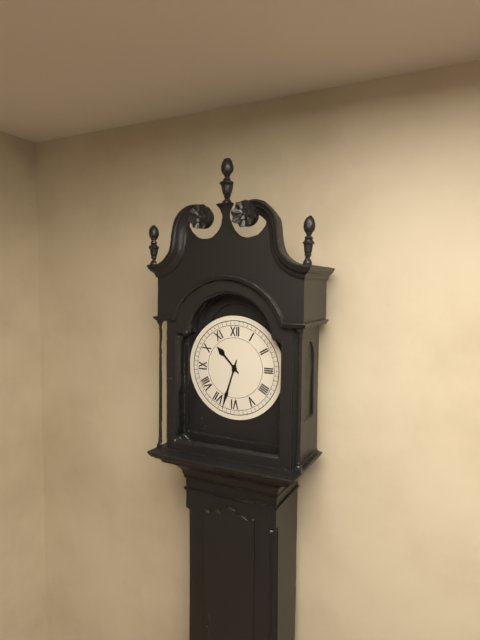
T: 10:33
